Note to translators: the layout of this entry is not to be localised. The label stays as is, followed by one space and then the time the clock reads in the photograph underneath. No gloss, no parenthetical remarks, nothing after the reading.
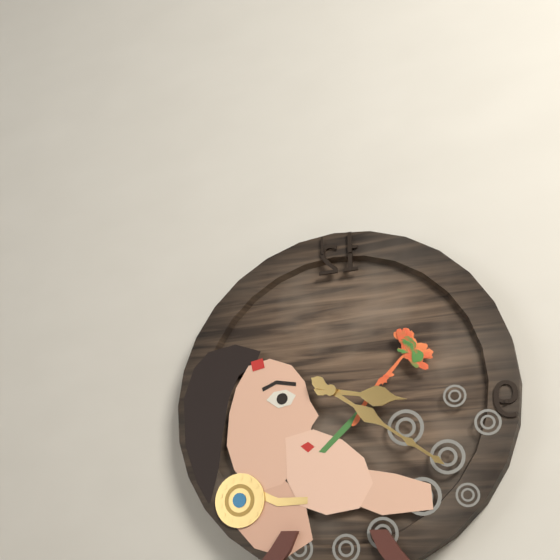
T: 3:21
